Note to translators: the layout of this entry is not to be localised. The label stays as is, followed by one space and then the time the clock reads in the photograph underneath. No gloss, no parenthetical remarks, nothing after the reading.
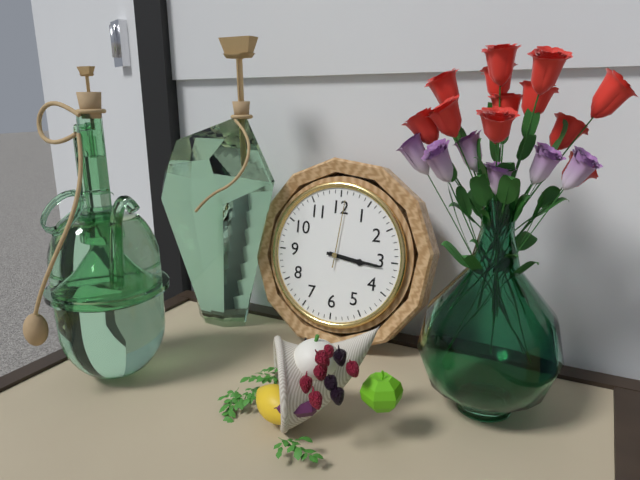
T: 3:16:01
